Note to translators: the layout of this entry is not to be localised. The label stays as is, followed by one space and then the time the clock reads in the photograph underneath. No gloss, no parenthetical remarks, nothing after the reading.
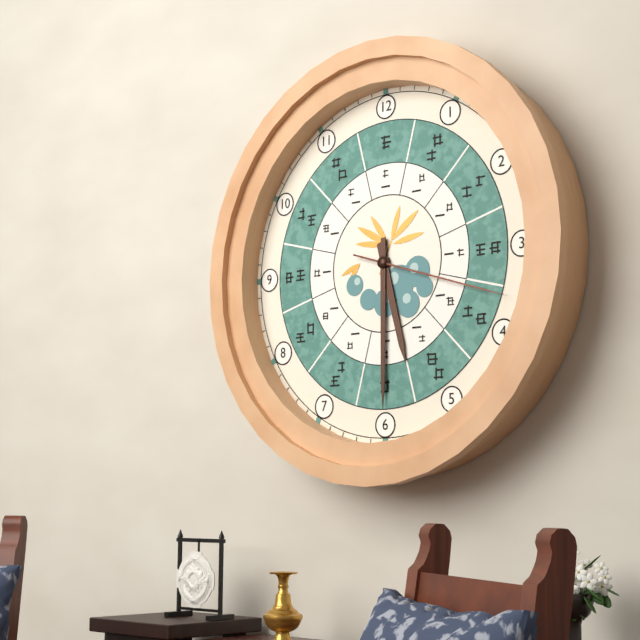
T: 5:30:18
